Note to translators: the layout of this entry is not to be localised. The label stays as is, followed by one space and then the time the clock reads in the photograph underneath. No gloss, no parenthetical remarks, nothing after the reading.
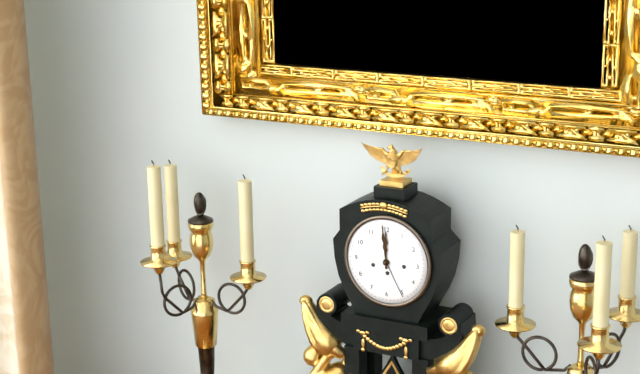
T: 11:59
